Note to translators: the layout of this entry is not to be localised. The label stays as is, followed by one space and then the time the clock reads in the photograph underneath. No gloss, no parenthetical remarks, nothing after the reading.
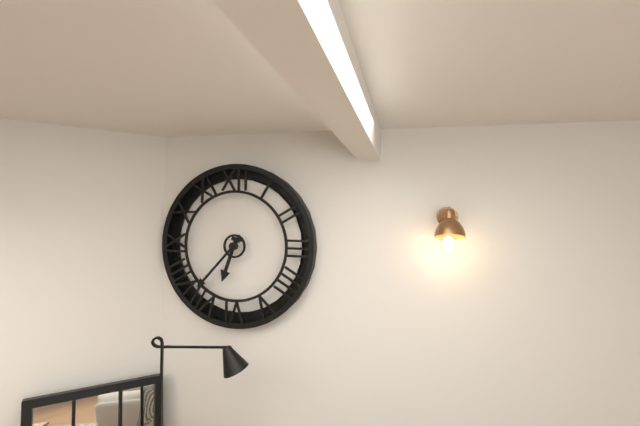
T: 6:37
